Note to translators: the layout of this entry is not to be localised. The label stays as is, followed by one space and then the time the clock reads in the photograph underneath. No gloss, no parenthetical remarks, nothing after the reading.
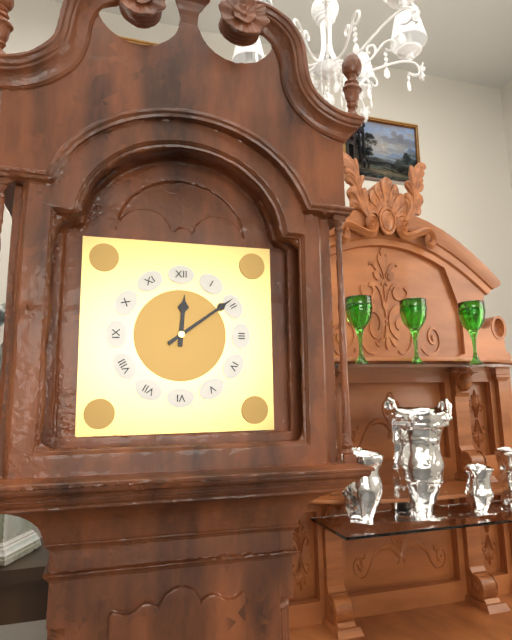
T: 12:09
